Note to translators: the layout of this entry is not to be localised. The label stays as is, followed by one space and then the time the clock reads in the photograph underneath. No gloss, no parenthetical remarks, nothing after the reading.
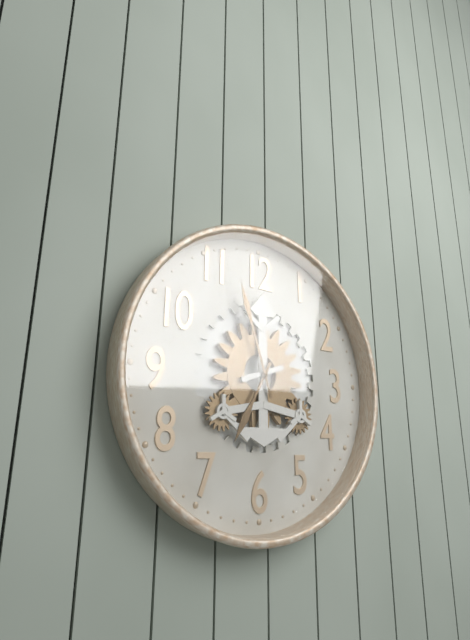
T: 6:57
